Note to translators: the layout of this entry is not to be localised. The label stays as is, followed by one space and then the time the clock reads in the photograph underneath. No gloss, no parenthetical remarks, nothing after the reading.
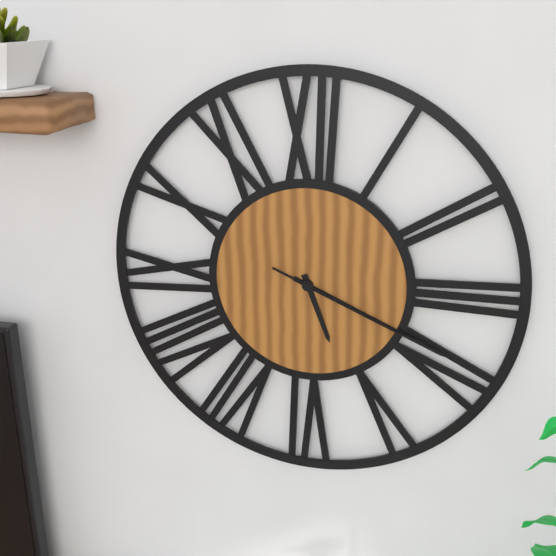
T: 5:19:19
